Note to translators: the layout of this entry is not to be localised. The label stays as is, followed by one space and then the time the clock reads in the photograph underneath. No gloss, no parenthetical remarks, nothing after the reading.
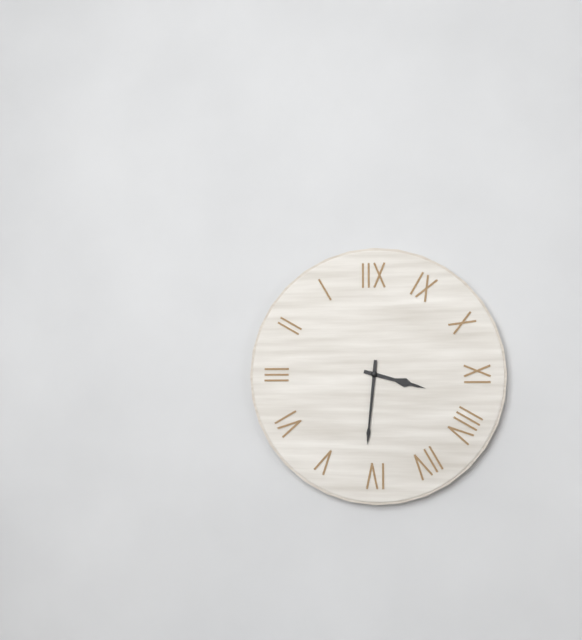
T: 3:31
